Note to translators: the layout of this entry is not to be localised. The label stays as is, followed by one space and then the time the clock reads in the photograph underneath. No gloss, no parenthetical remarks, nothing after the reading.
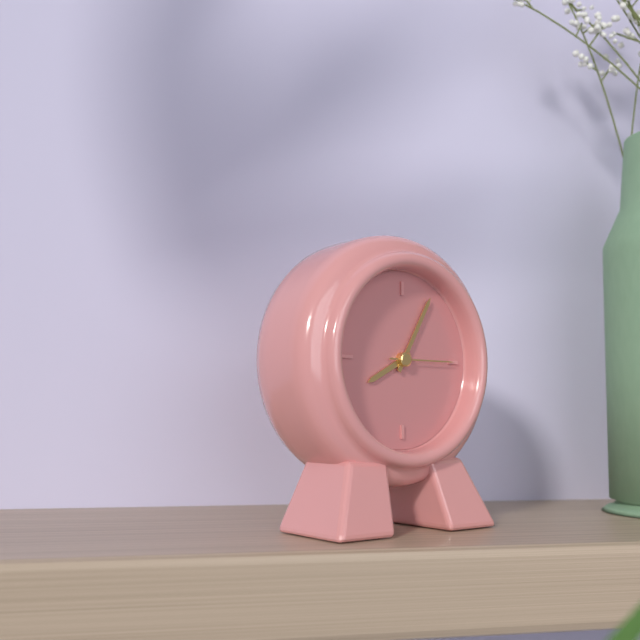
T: 8:05:15
